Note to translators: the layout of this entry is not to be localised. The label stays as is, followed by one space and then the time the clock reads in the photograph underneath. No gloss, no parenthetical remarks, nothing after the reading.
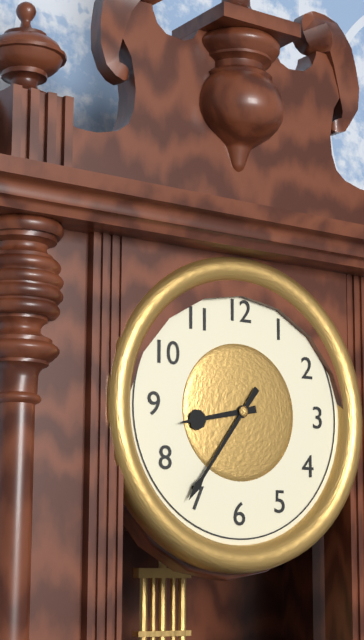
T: 8:36
